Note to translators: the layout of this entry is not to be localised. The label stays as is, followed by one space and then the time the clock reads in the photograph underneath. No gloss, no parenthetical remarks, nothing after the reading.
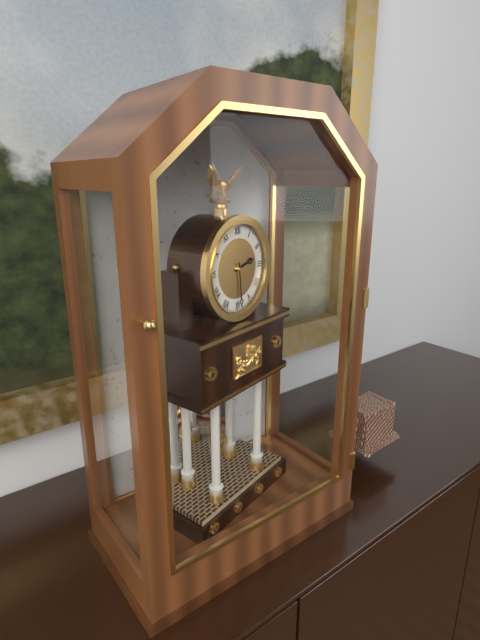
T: 2:29
